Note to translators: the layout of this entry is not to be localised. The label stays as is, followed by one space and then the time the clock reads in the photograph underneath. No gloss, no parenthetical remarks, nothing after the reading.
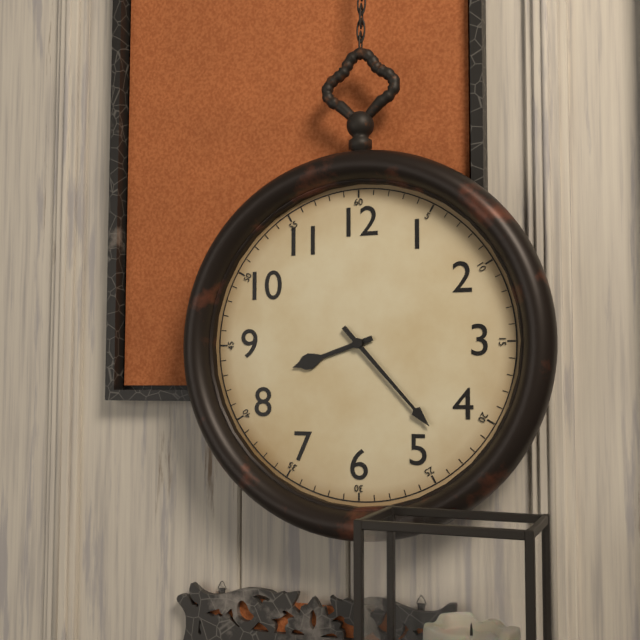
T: 8:23
